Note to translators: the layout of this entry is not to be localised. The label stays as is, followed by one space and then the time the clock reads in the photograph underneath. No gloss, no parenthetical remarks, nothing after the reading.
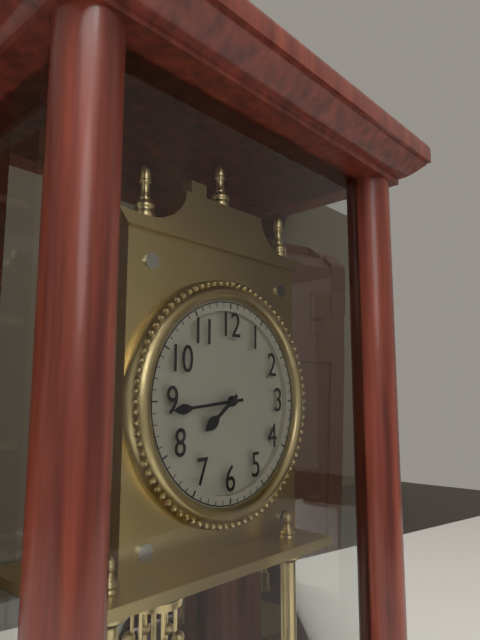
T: 7:44
